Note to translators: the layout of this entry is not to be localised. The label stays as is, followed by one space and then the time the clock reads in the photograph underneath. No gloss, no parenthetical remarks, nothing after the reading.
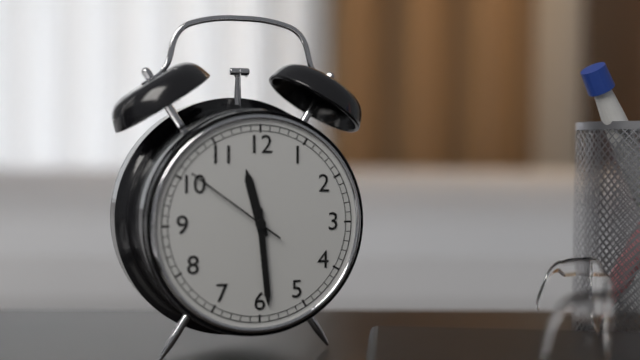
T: 11:29:51
